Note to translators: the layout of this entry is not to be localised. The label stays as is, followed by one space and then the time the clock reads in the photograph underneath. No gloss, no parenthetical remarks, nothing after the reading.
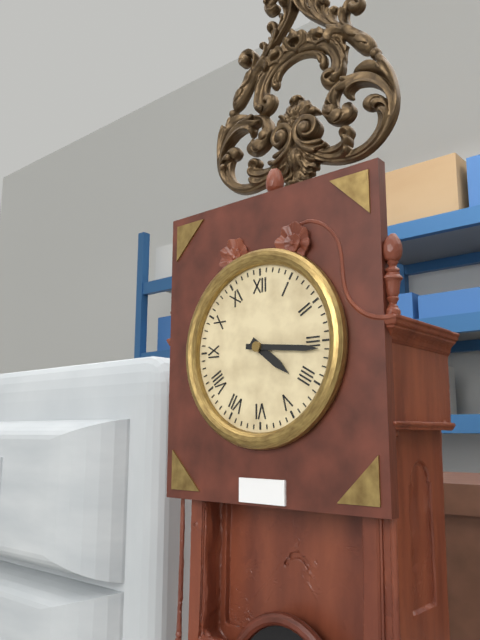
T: 4:16
